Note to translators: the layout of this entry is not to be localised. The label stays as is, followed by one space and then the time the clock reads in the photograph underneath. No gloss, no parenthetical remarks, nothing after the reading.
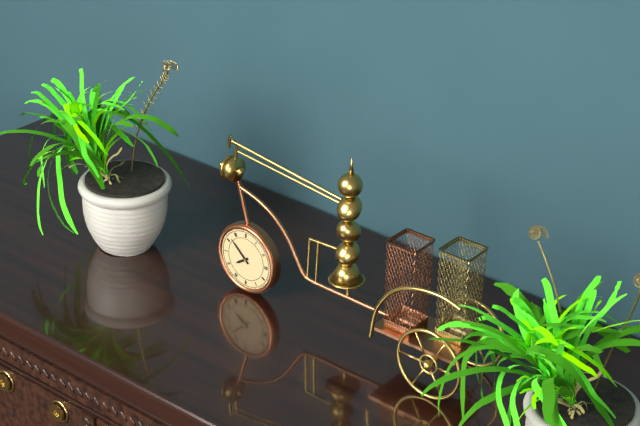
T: 7:52
